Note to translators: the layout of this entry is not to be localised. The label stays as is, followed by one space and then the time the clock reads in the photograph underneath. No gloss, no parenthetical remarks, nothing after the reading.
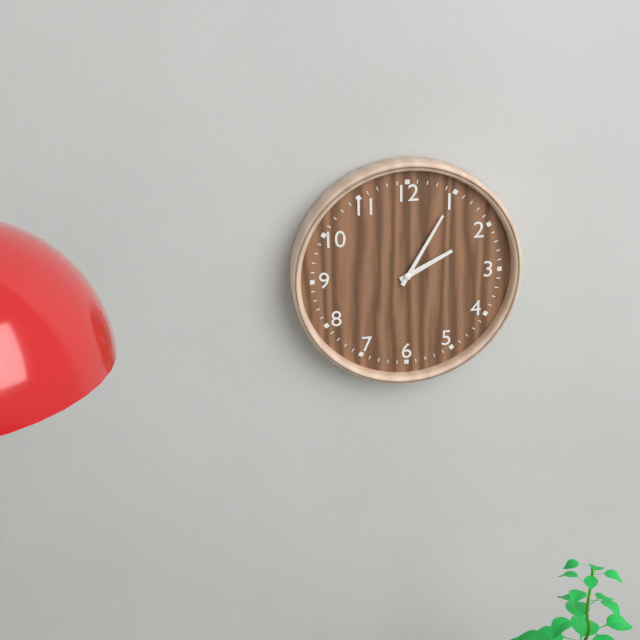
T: 2:05
